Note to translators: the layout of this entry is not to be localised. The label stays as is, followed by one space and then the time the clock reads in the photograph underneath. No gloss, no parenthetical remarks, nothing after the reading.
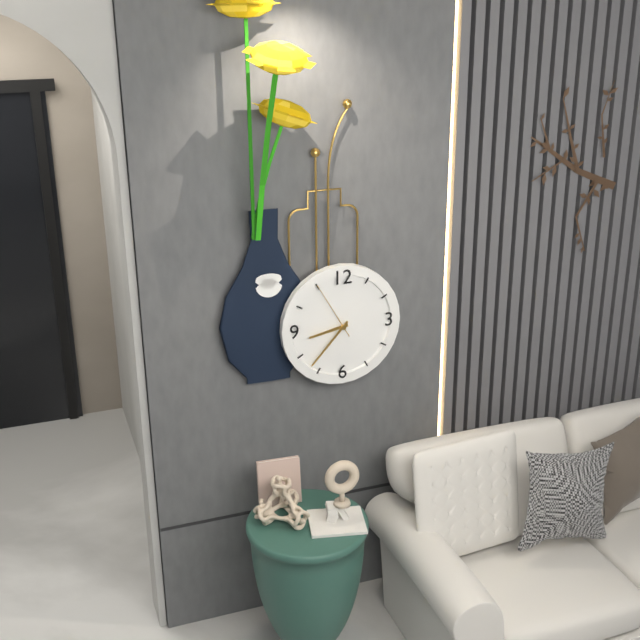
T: 8:37:55
